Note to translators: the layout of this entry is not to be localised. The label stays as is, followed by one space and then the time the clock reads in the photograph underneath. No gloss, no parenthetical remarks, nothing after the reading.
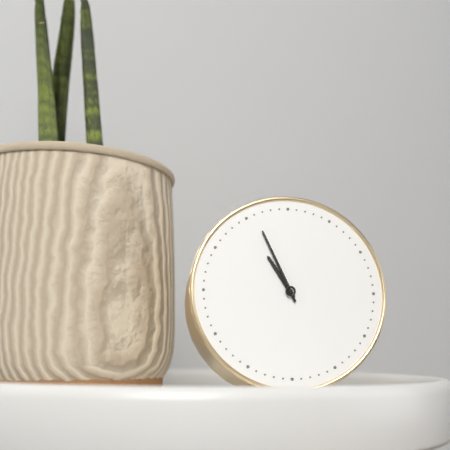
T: 10:56
